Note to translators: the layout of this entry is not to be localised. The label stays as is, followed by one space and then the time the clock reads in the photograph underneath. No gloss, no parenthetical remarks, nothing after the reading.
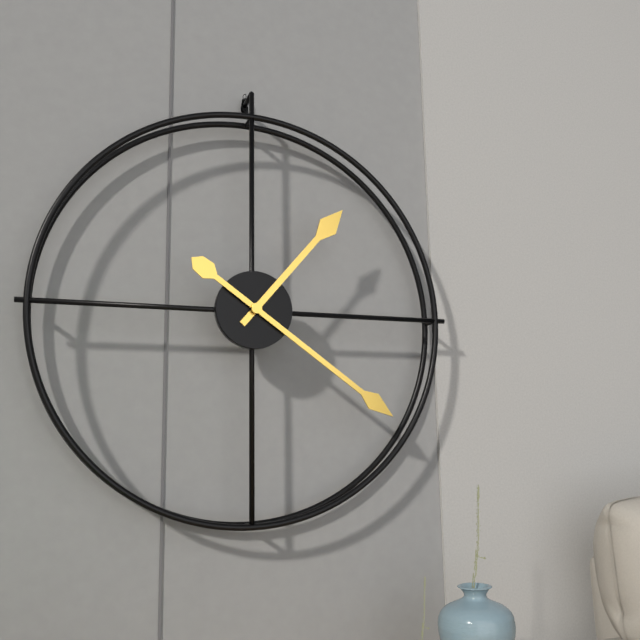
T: 1:21
